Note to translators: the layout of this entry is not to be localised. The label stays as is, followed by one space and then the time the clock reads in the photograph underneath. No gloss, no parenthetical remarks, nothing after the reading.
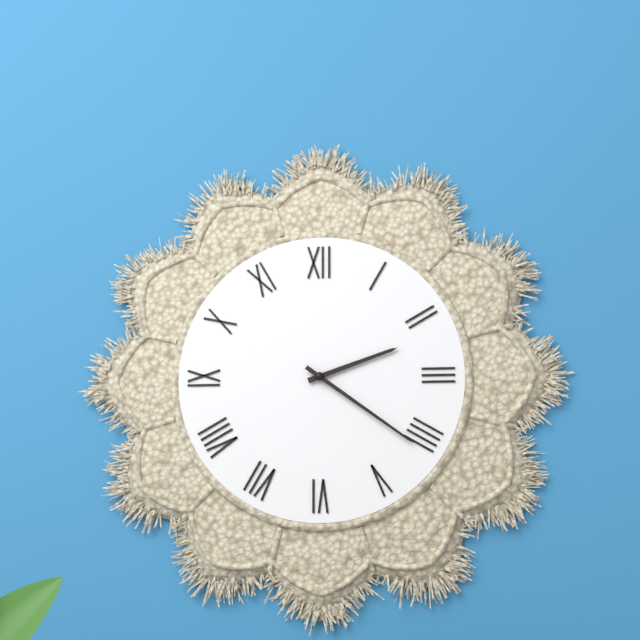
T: 2:21
